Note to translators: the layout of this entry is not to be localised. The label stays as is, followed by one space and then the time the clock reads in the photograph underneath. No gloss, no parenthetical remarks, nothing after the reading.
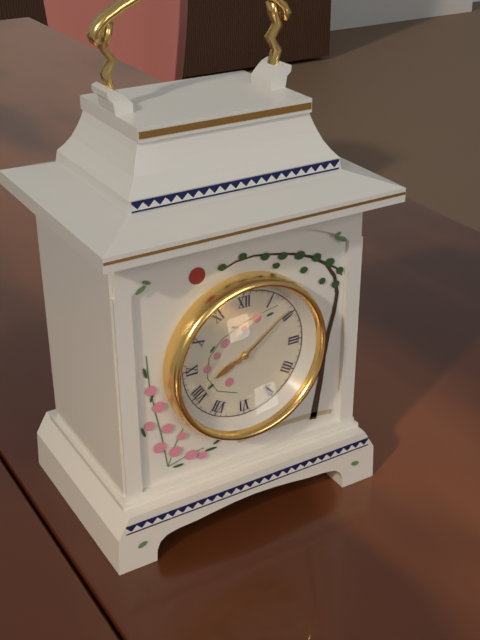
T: 8:09
